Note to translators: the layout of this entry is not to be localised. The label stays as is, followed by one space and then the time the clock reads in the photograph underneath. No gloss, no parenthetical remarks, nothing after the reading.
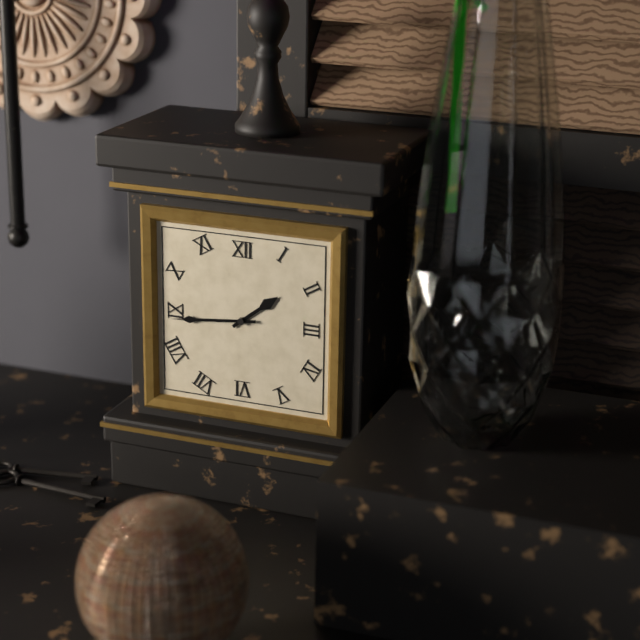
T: 1:44
